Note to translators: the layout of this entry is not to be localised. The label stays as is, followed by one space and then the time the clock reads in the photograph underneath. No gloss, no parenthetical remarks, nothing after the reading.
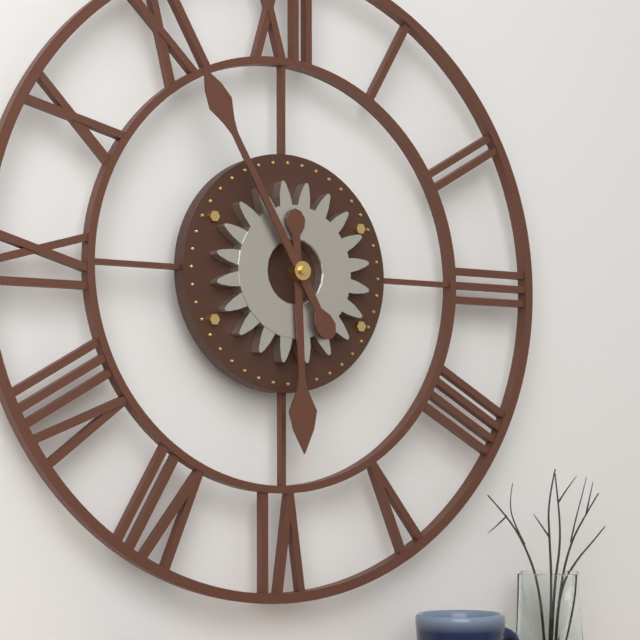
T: 5:55
